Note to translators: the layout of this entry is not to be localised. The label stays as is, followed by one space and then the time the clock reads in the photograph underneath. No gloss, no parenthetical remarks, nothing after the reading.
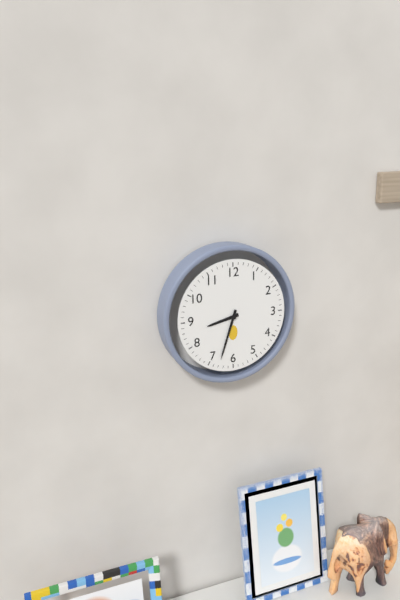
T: 8:33
